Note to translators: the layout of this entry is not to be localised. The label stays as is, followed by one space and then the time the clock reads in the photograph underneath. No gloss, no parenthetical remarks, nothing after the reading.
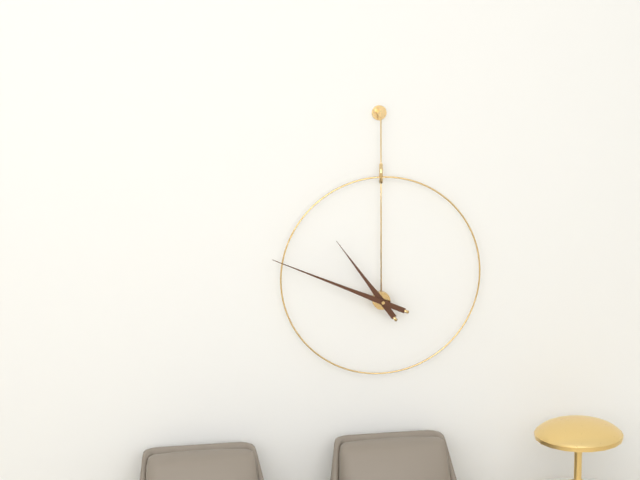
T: 10:49
